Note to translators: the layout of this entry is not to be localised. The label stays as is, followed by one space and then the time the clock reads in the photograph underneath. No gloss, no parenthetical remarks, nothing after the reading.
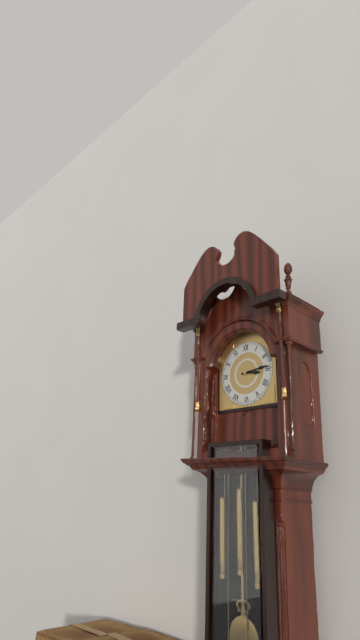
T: 3:14
